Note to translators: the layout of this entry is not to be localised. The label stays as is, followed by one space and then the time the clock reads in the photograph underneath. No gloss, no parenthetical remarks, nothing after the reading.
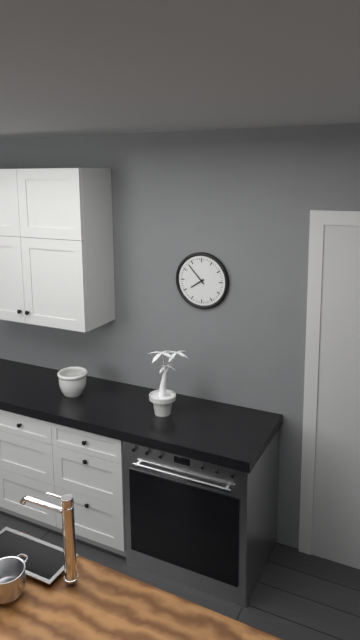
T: 7:53
